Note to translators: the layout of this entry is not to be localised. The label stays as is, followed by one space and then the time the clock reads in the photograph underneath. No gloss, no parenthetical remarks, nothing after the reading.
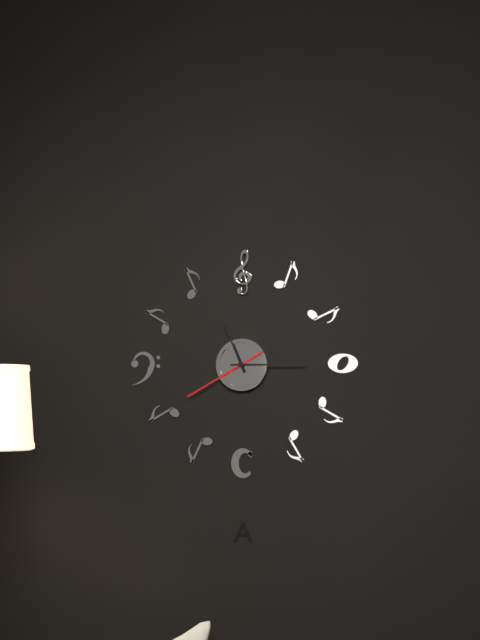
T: 11:15:40
